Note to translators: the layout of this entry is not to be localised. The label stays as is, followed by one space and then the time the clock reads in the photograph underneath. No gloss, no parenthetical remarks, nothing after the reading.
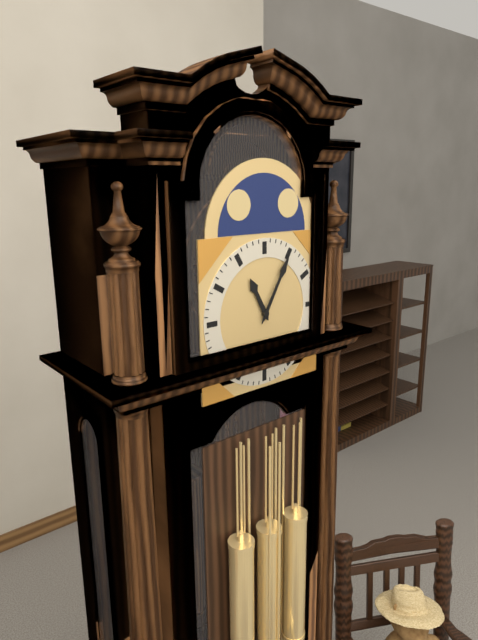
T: 11:05
